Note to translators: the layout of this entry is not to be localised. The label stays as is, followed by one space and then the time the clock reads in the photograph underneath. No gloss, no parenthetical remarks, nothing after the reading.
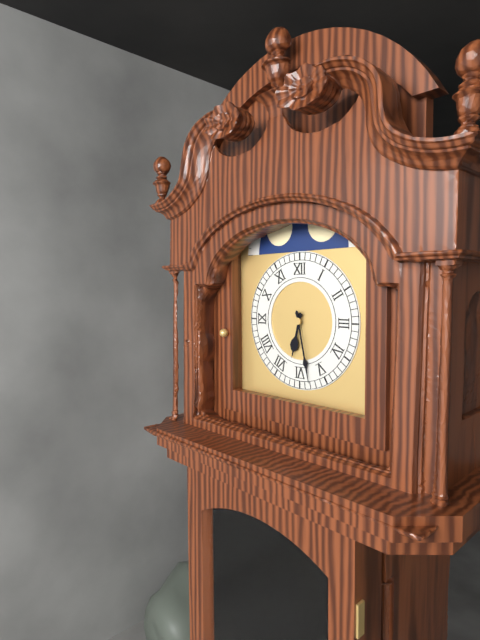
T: 6:28
